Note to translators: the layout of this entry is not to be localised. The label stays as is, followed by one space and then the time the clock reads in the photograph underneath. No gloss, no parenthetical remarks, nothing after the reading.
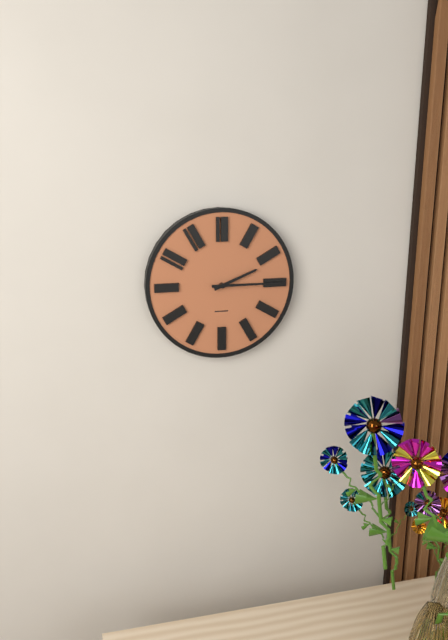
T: 2:15
